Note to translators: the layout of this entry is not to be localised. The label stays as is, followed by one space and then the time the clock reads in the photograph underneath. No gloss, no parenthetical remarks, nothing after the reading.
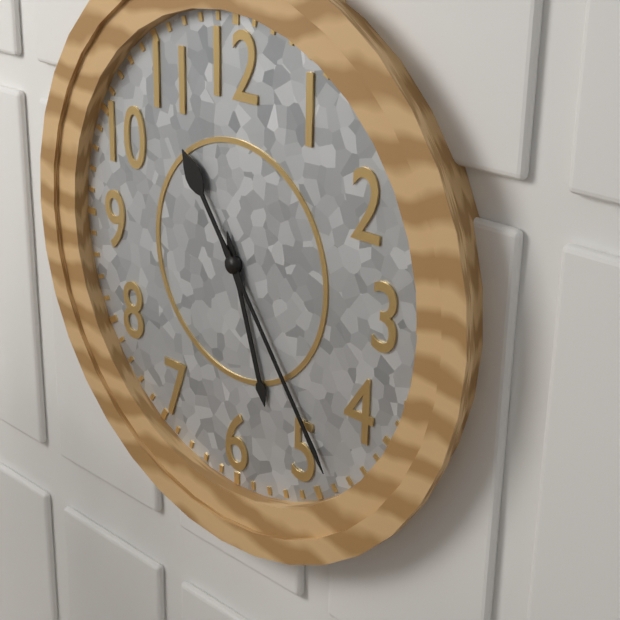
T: 5:24
